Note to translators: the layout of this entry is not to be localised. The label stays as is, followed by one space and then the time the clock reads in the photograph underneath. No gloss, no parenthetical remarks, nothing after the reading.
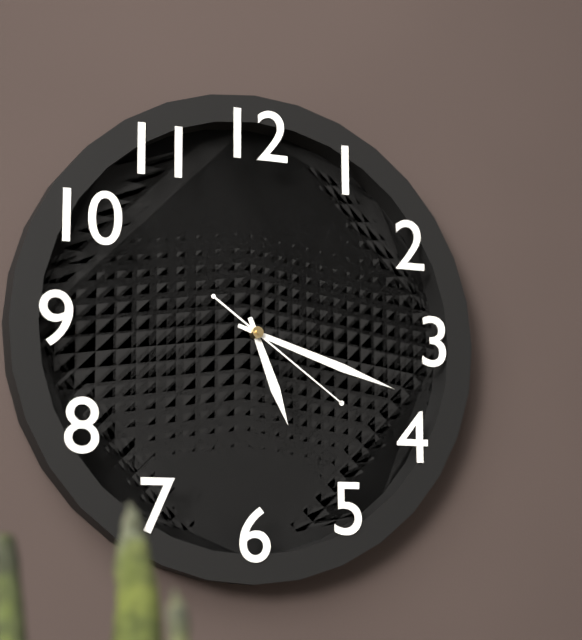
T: 5:18:21
